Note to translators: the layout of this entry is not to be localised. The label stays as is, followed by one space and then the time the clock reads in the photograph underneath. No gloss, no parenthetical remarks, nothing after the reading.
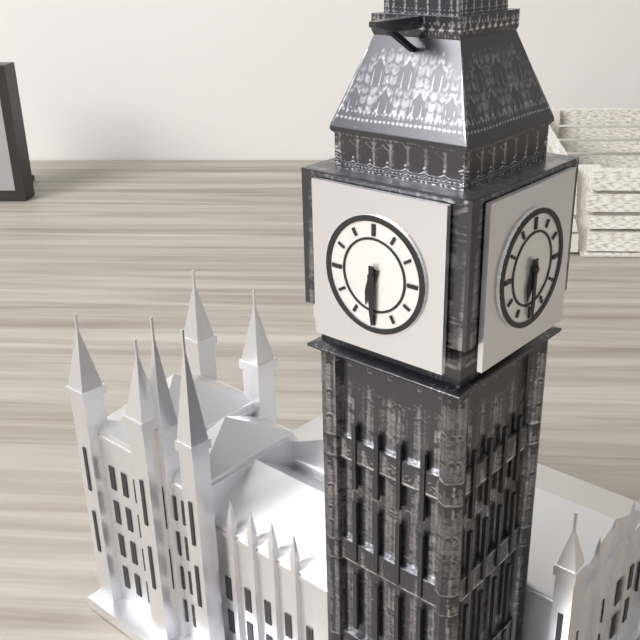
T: 6:30
